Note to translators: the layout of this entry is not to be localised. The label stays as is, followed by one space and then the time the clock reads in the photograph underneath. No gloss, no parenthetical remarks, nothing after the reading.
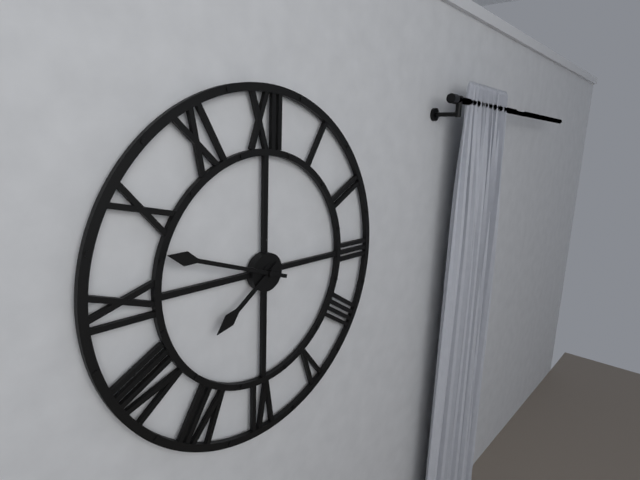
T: 7:48
